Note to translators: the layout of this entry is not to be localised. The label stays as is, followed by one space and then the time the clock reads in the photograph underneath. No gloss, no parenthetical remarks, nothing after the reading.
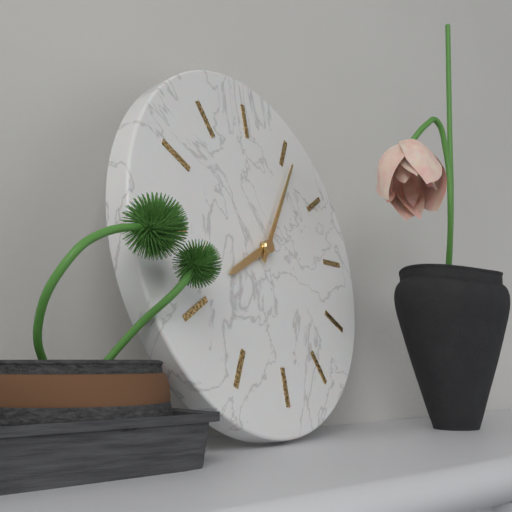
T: 8:06
